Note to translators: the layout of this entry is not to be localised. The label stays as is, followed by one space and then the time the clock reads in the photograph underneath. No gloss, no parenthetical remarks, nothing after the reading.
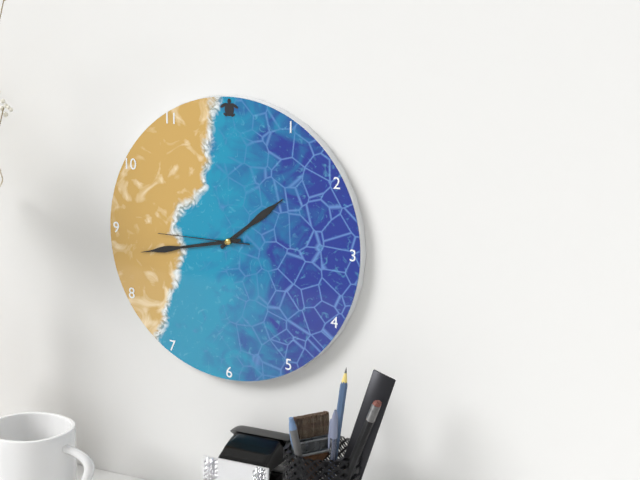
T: 1:43:45
